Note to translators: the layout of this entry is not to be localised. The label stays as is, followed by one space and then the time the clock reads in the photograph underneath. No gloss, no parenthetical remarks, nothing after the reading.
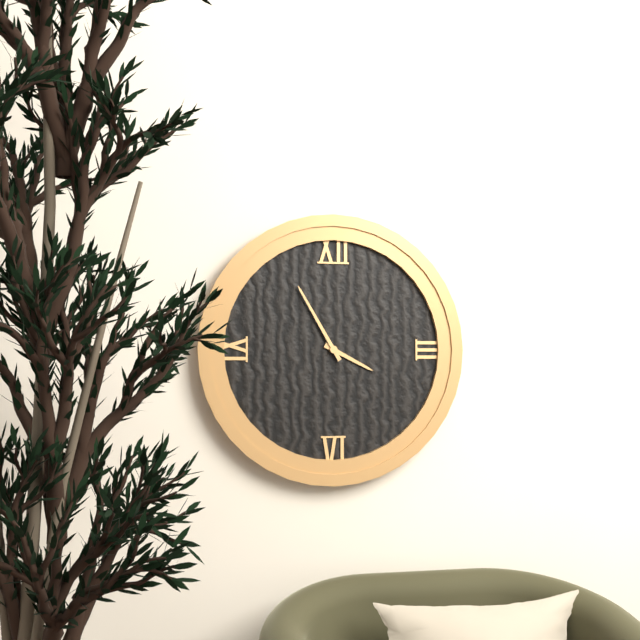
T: 3:55
